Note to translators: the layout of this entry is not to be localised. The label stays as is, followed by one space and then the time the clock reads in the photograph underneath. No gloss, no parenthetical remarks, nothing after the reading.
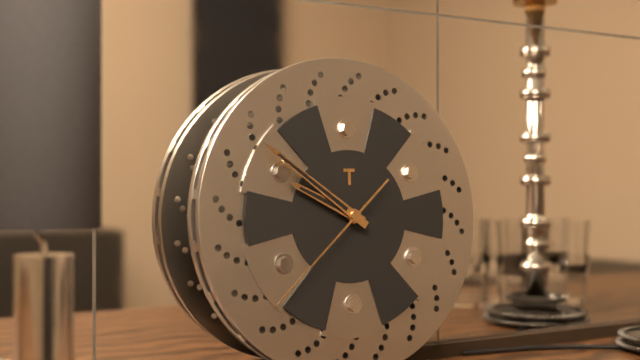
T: 9:51:38
